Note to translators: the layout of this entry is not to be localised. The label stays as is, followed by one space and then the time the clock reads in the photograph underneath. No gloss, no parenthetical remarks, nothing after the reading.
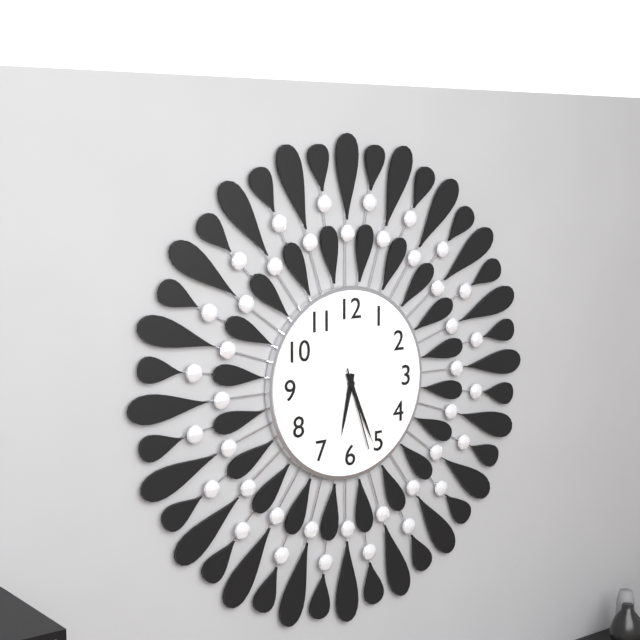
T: 6:26:27
